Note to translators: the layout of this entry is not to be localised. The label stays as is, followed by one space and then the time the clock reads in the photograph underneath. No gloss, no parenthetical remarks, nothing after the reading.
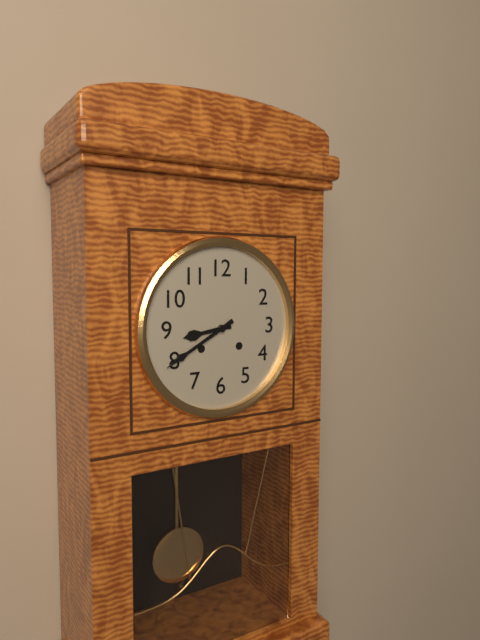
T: 8:40
